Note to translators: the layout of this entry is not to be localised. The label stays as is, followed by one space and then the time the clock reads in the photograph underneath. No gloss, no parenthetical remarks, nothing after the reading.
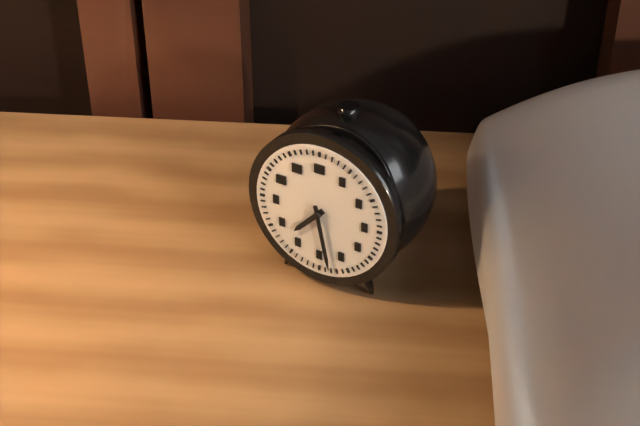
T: 7:28
